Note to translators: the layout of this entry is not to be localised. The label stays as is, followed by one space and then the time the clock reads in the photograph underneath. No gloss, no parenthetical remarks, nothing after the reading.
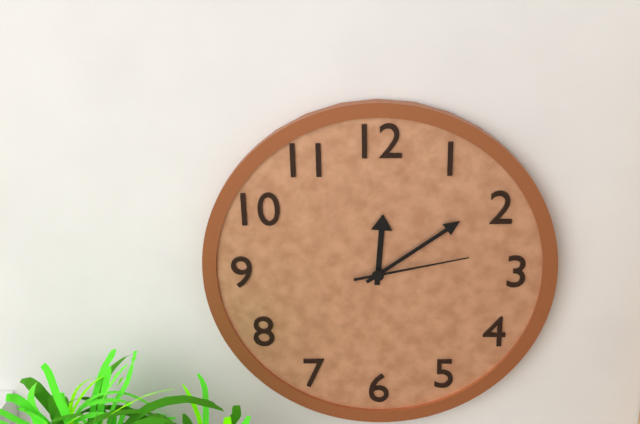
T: 12:09:13
